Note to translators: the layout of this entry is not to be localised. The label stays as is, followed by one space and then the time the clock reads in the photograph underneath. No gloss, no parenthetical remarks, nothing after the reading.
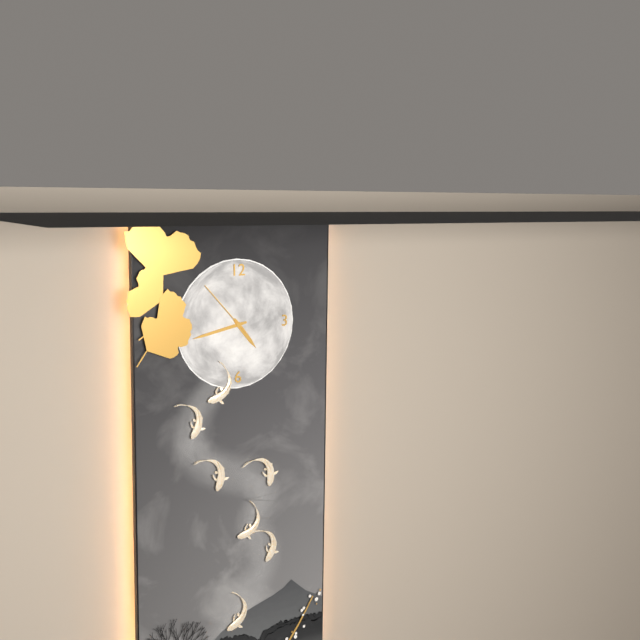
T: 4:43:53
